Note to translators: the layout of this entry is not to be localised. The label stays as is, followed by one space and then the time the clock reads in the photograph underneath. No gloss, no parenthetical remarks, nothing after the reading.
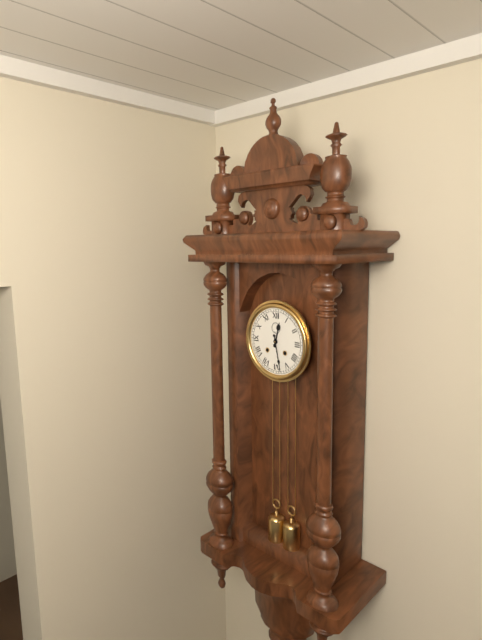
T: 12:28
